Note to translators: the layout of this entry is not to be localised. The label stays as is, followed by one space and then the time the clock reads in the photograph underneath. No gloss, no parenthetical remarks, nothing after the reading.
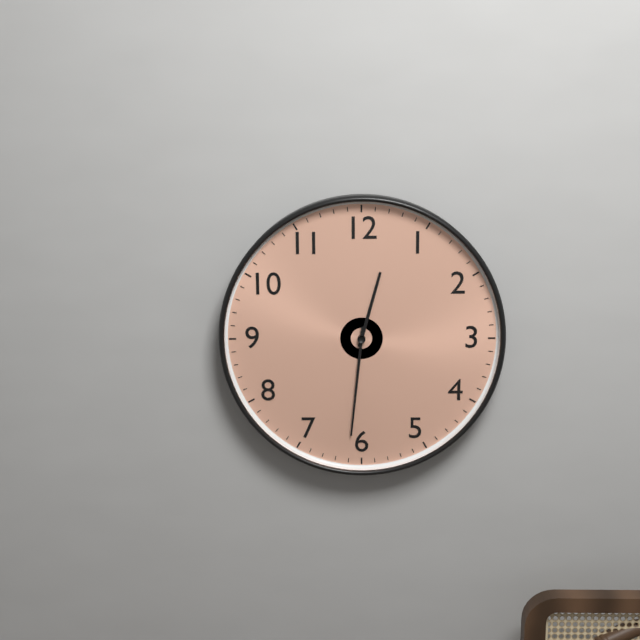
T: 12:31
